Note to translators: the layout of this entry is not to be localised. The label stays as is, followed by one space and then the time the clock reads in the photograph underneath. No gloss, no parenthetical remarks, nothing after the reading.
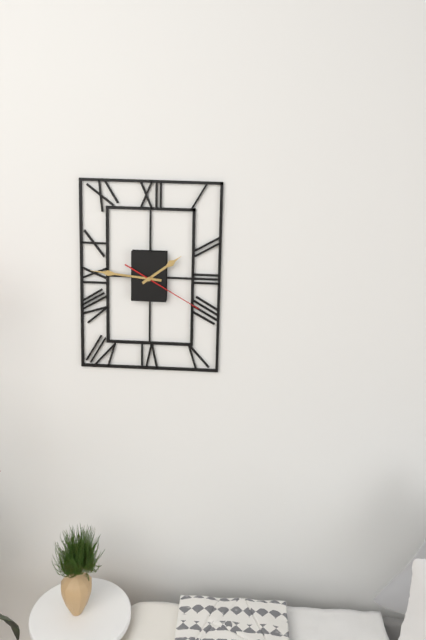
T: 1:46:20
